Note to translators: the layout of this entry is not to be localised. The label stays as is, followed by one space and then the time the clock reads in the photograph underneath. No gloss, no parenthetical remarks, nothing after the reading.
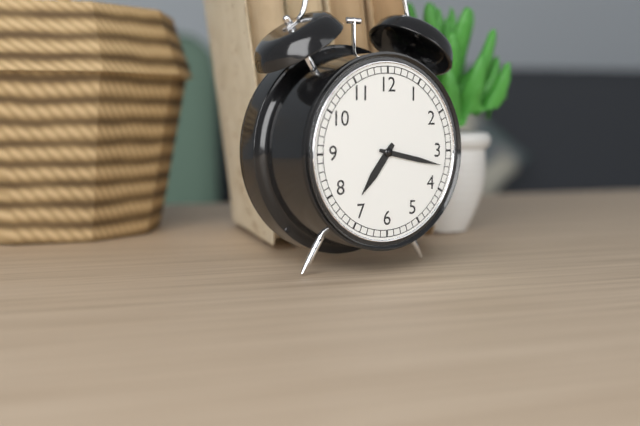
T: 7:17
